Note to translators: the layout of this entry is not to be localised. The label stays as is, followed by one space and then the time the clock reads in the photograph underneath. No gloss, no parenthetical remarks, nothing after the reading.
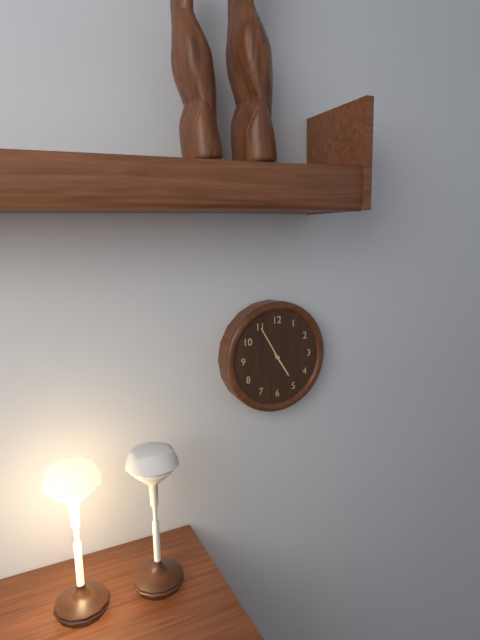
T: 4:55
